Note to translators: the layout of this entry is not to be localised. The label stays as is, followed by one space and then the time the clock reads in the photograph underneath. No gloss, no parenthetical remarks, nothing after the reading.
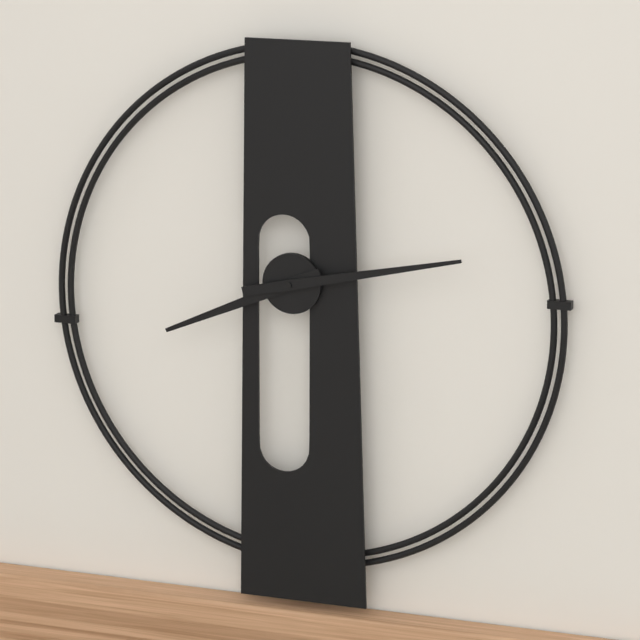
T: 8:13
